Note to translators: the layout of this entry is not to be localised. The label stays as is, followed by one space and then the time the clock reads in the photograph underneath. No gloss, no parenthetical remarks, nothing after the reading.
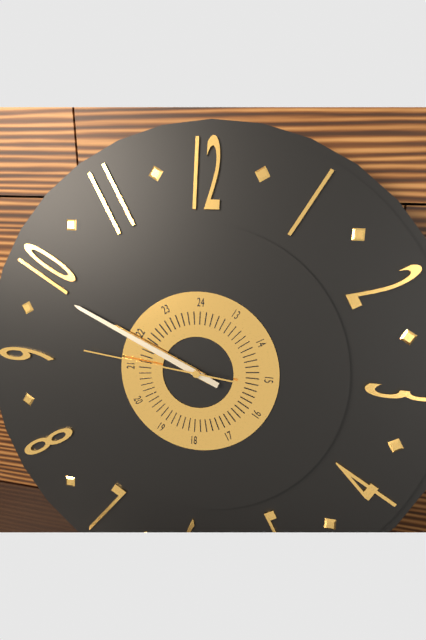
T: 9:49:46
